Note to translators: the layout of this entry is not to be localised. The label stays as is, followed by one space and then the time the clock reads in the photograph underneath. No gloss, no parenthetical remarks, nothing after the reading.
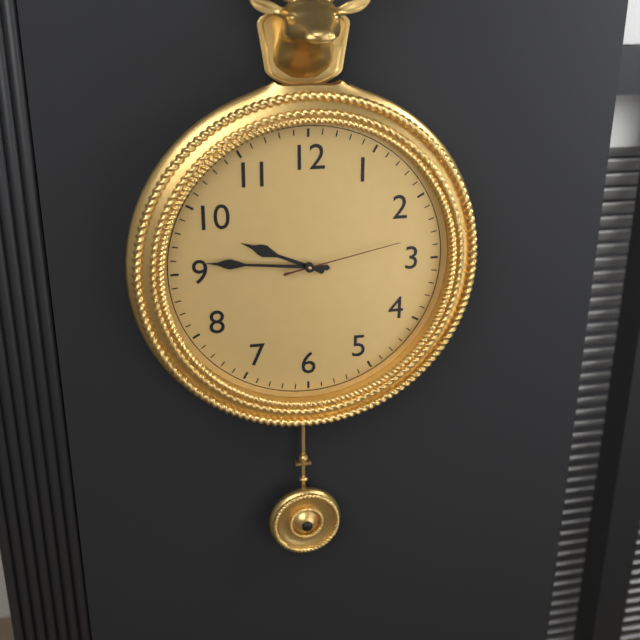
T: 9:46:13
